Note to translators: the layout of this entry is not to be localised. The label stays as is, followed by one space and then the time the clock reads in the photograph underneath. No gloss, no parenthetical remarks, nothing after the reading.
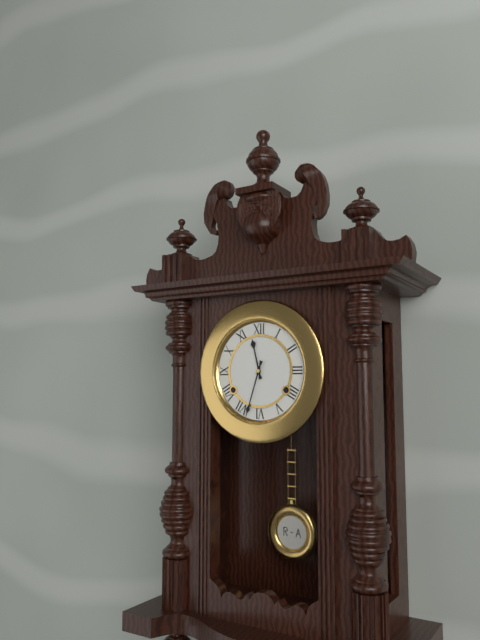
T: 11:33
